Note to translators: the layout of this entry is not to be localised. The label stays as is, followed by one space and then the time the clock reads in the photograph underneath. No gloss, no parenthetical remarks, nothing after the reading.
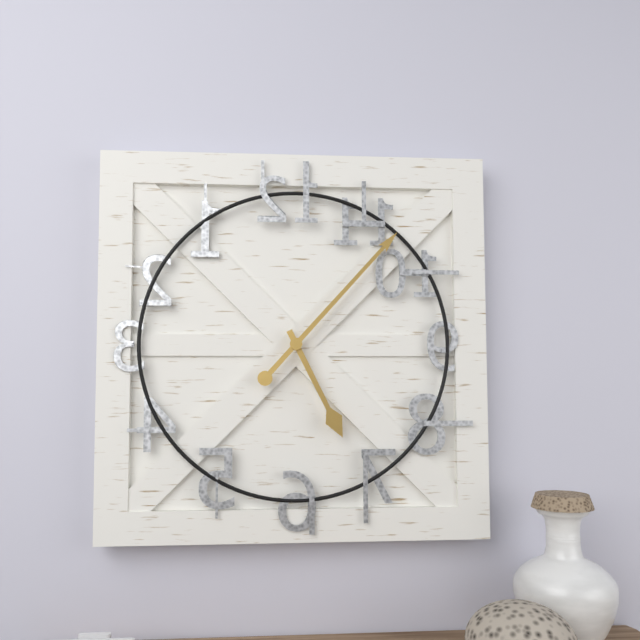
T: 5:07
